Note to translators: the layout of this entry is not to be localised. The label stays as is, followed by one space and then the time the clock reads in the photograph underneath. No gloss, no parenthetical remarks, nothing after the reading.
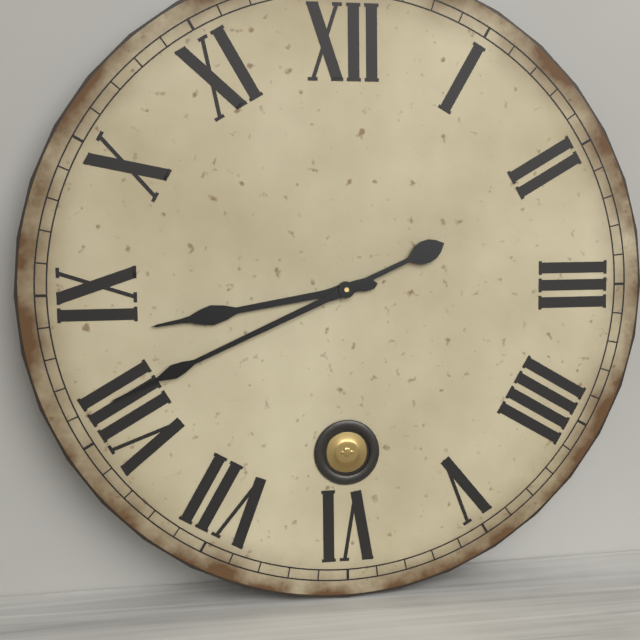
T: 8:41
